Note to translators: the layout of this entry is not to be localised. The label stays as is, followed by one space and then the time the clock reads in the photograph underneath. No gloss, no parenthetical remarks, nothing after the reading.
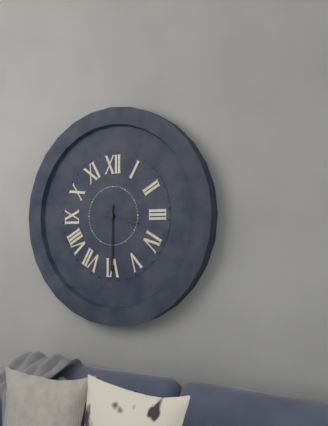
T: 3:30
